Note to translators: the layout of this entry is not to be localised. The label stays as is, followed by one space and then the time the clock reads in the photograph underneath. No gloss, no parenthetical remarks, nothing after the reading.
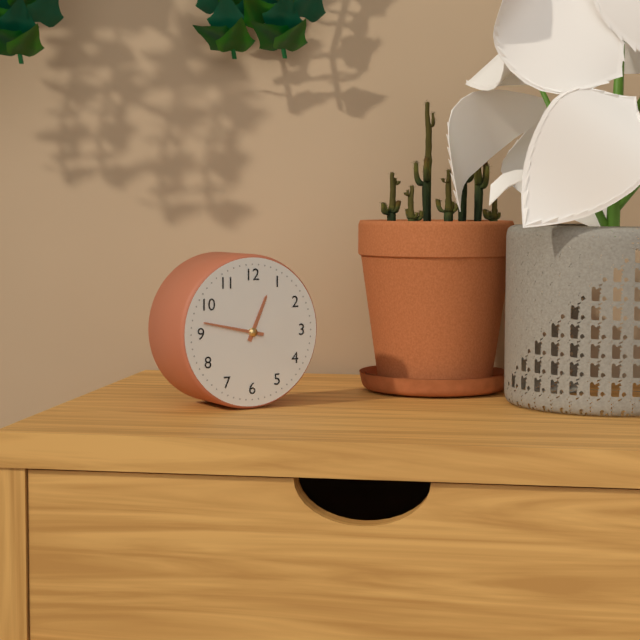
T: 12:47
